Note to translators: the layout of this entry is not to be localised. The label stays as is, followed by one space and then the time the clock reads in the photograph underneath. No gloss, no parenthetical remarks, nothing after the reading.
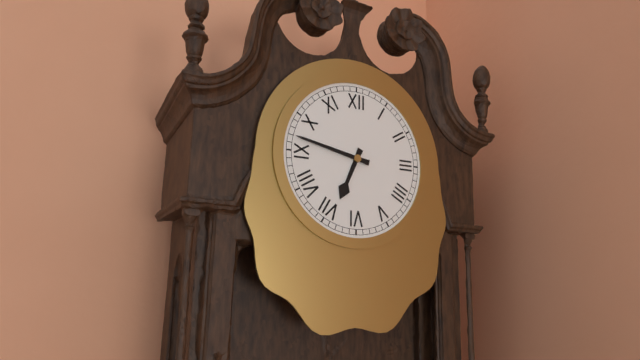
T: 6:47
